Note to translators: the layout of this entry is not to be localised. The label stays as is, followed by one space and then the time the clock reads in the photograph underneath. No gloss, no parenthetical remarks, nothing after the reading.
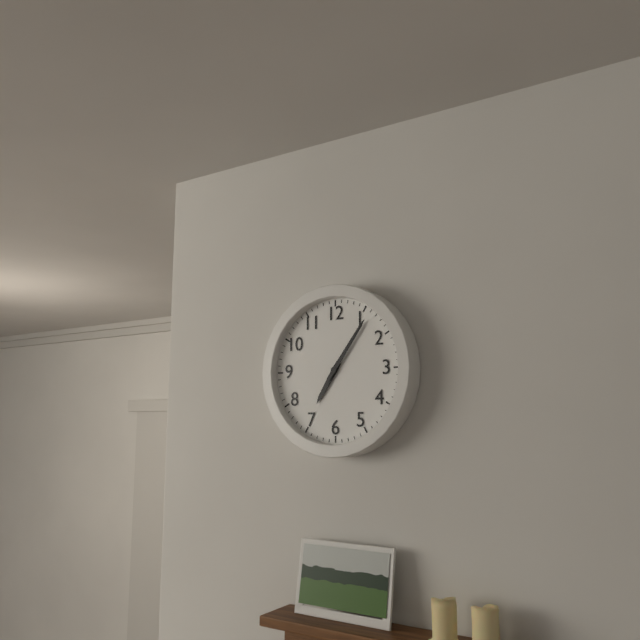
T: 7:06
